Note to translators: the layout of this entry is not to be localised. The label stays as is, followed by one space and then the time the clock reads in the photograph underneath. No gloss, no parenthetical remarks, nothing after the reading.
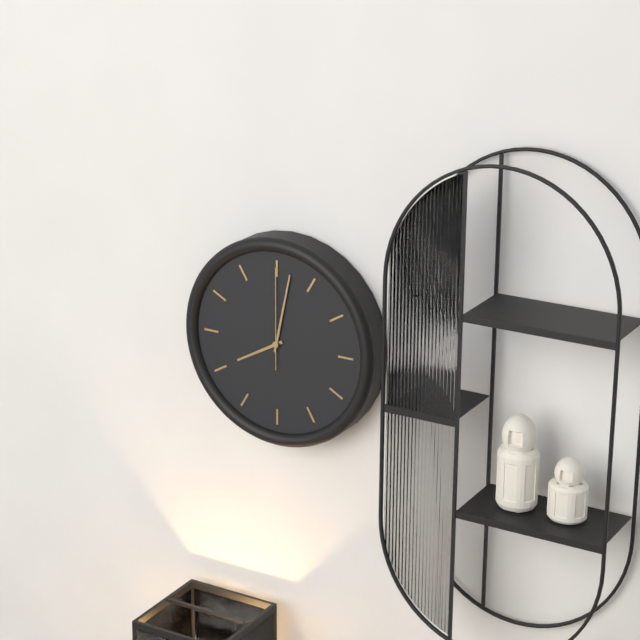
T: 8:02:00
